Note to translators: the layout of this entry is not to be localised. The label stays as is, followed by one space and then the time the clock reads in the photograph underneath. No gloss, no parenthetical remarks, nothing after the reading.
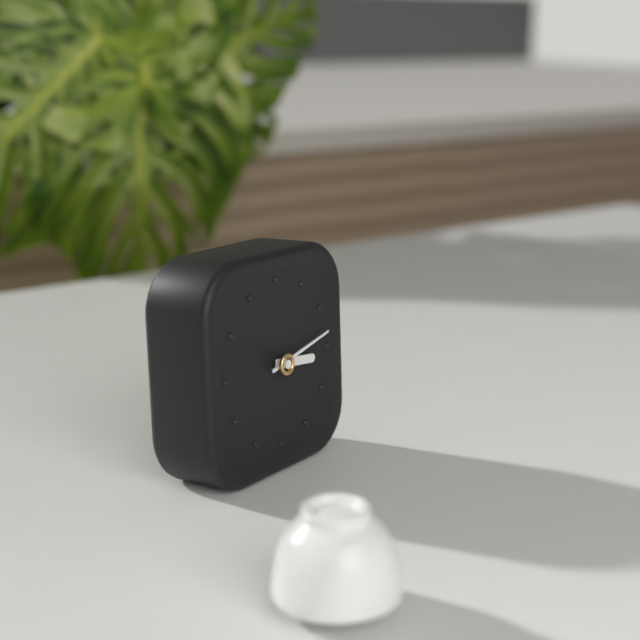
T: 3:13
